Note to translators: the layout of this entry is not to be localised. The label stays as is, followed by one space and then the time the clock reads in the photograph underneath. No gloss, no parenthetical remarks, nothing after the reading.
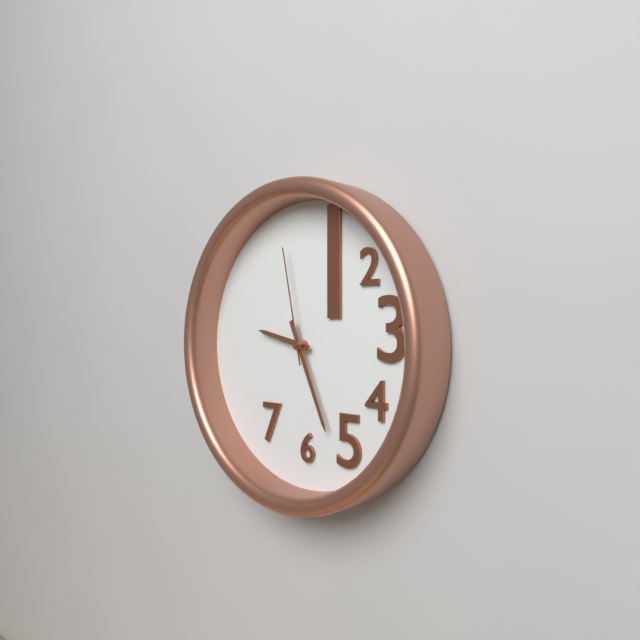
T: 9:26:58
